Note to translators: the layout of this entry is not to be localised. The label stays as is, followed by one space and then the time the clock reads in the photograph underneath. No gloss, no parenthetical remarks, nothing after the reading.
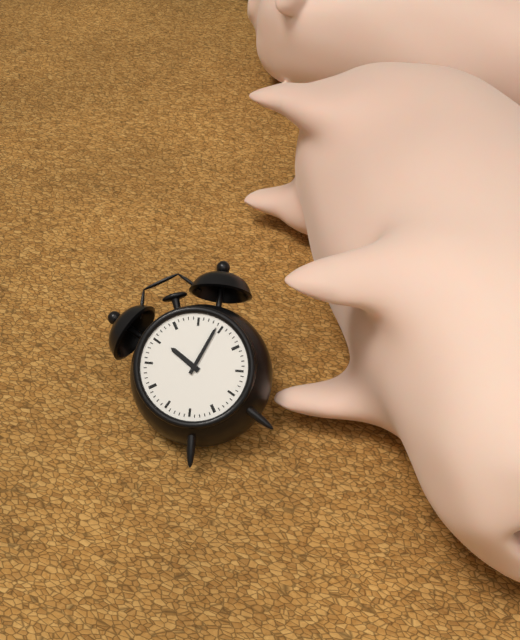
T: 11:09
